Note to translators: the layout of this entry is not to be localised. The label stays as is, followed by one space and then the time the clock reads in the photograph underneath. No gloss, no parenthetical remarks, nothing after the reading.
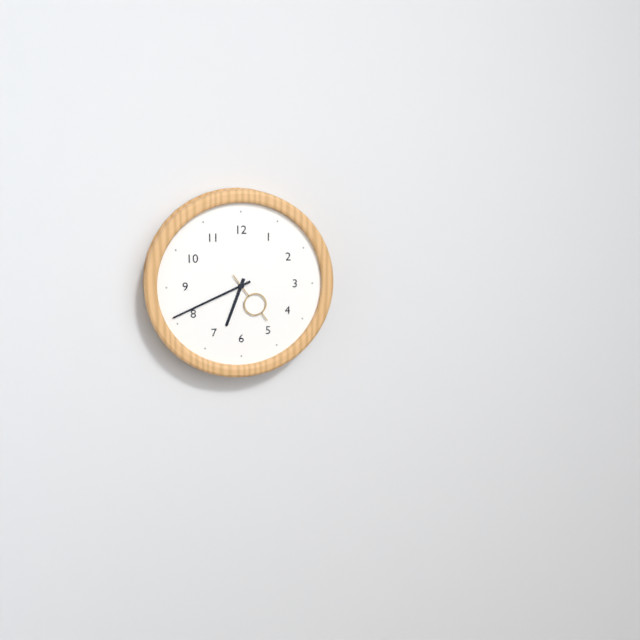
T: 6:41:24
